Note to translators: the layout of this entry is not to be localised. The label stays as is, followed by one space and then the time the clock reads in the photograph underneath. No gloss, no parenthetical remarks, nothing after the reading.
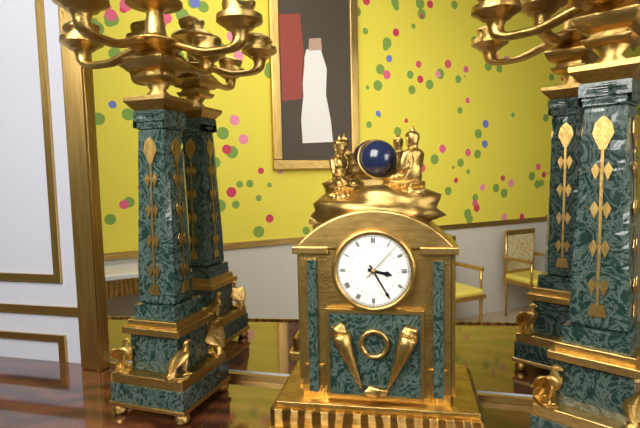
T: 3:25
